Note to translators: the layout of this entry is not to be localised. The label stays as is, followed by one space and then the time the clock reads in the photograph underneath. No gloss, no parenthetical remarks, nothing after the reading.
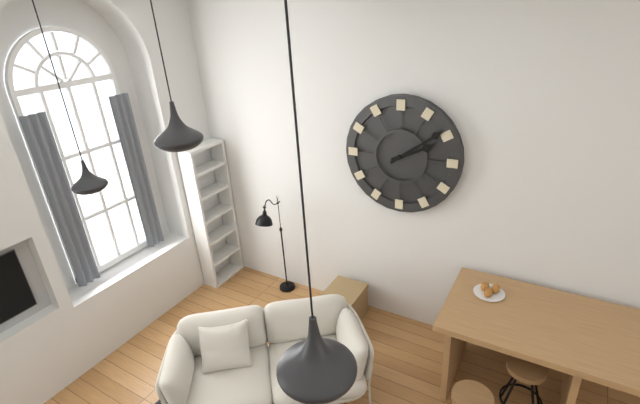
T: 2:09
